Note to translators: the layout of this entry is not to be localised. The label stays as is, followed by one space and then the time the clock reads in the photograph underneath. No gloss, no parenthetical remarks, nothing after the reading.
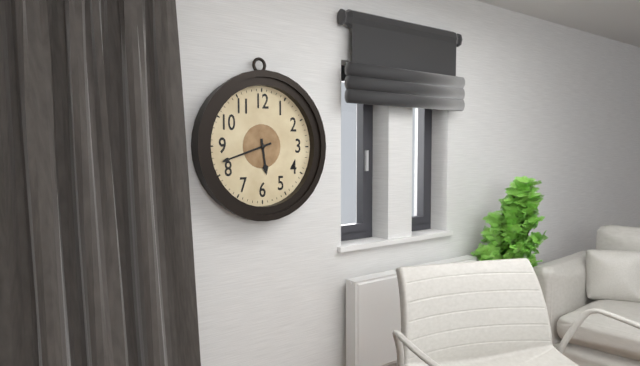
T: 5:42
